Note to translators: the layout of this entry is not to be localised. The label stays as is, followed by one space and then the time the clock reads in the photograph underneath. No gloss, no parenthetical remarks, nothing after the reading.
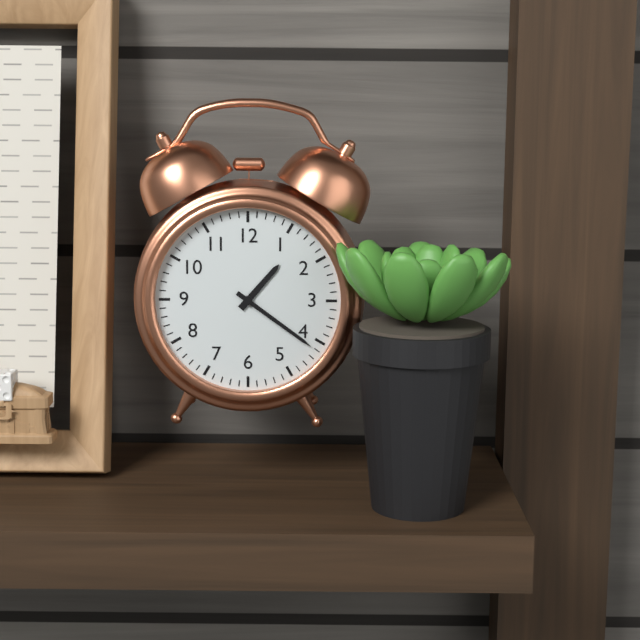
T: 1:21
